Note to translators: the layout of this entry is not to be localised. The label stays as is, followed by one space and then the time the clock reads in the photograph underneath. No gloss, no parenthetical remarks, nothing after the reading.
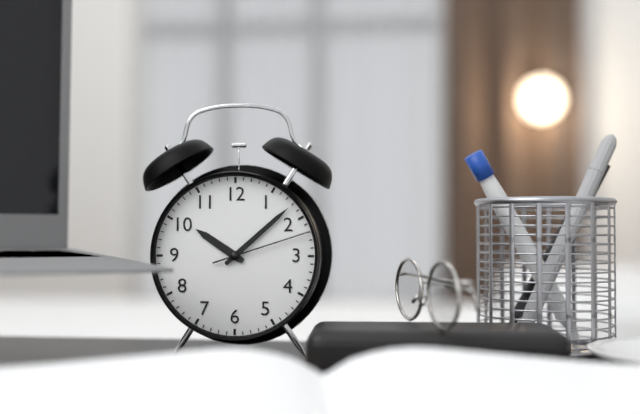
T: 10:08:12
